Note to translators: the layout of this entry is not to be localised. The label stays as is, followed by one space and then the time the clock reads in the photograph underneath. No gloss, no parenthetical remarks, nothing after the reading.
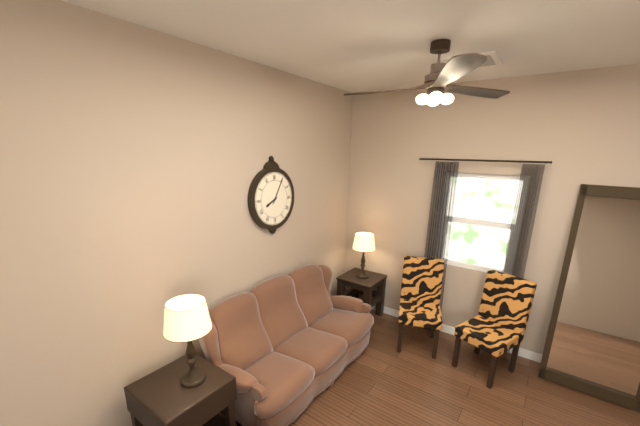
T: 8:05
